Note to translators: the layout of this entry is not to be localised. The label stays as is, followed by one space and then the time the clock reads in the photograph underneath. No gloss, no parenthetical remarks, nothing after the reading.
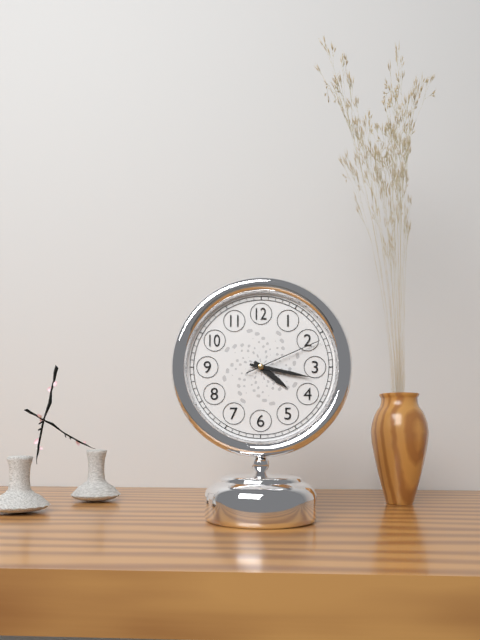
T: 4:17:11
